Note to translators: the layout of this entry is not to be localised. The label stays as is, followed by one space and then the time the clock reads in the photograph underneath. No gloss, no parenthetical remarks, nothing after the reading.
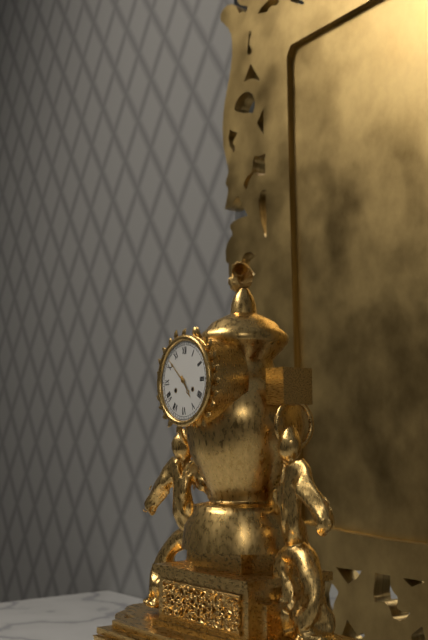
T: 4:52
